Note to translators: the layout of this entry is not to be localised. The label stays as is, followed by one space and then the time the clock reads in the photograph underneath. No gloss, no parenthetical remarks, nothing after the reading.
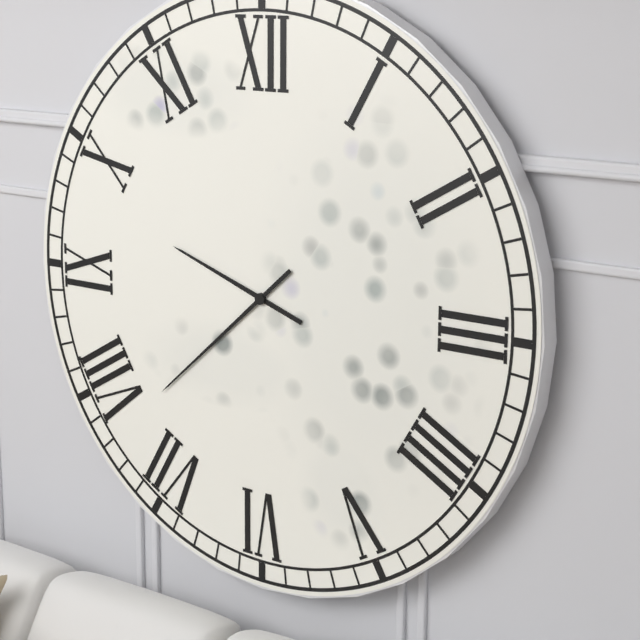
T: 9:38
